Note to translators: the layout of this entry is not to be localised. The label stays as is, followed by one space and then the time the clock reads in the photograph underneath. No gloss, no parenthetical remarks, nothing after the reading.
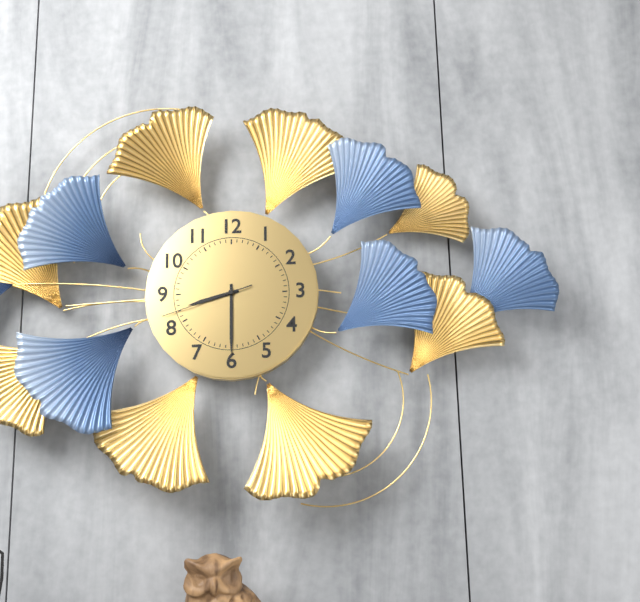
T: 8:30:42
